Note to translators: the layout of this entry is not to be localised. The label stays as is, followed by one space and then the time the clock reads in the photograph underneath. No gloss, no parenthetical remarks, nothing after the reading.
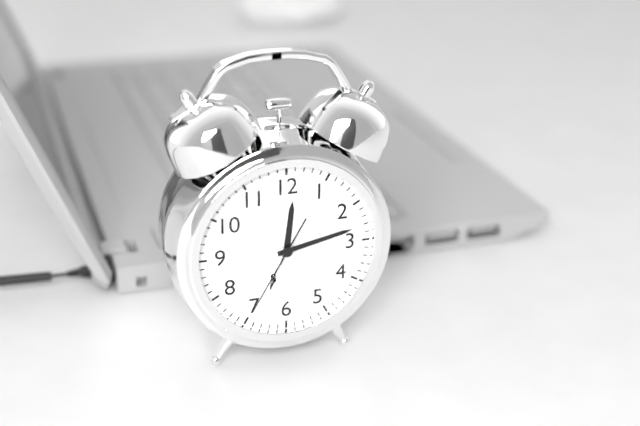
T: 12:13:35
